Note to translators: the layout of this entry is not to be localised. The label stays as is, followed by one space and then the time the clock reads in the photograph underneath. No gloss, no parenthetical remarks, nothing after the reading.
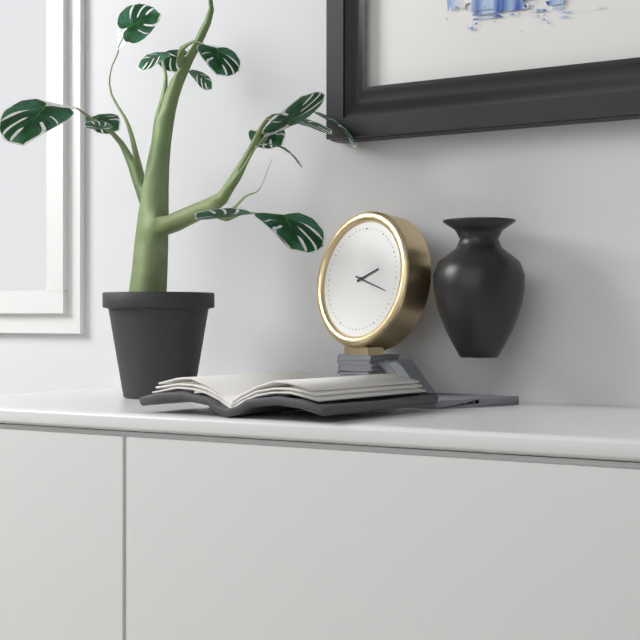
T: 2:18
